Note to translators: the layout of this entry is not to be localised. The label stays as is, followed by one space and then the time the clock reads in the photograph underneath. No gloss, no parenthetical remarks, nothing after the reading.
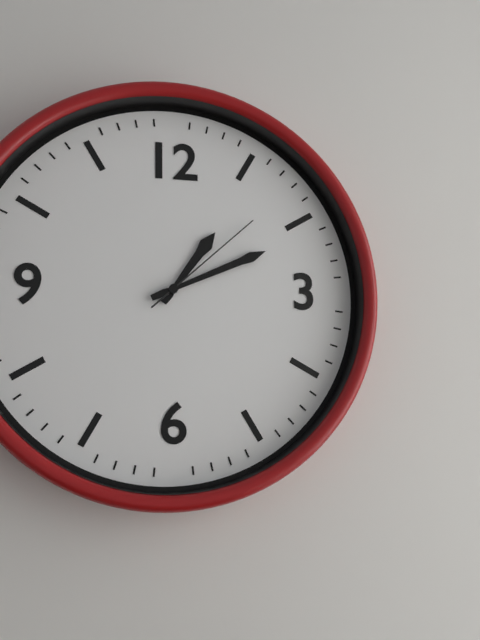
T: 1:11:08
